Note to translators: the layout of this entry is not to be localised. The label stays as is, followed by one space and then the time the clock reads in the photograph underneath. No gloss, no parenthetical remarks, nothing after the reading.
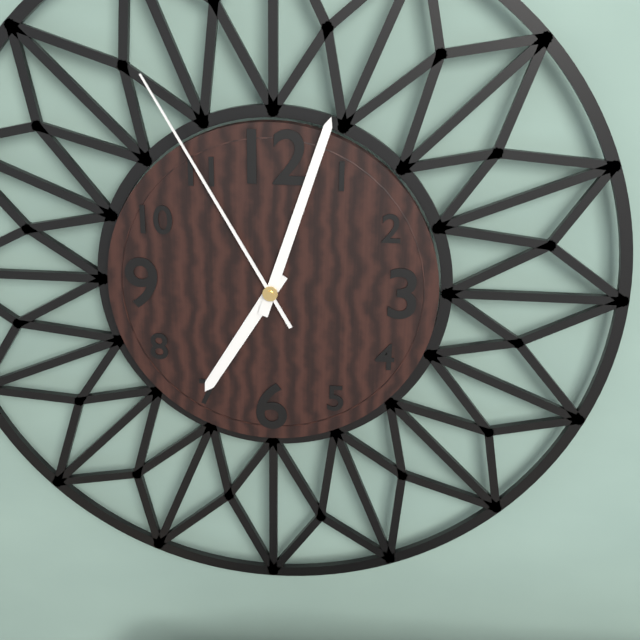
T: 7:03:55
